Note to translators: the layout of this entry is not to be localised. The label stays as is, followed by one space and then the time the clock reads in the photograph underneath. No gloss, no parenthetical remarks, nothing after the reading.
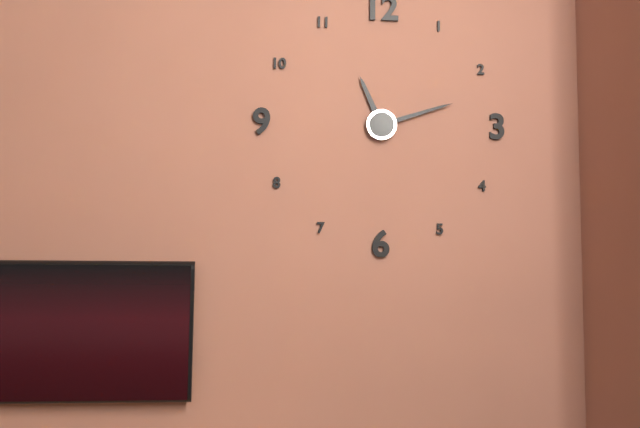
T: 11:12
